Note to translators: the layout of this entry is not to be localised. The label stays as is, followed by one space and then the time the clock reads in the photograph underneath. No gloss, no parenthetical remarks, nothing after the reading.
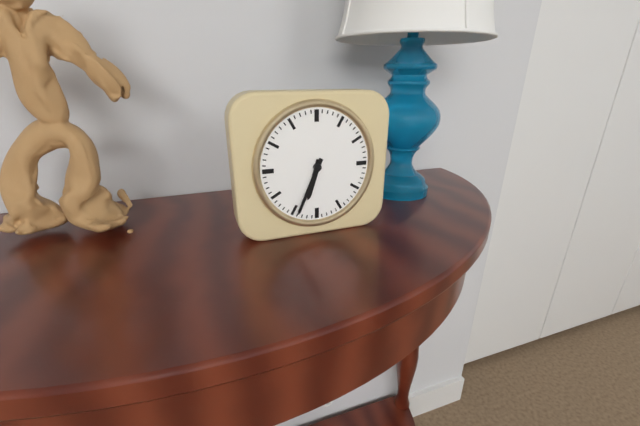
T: 6:34
